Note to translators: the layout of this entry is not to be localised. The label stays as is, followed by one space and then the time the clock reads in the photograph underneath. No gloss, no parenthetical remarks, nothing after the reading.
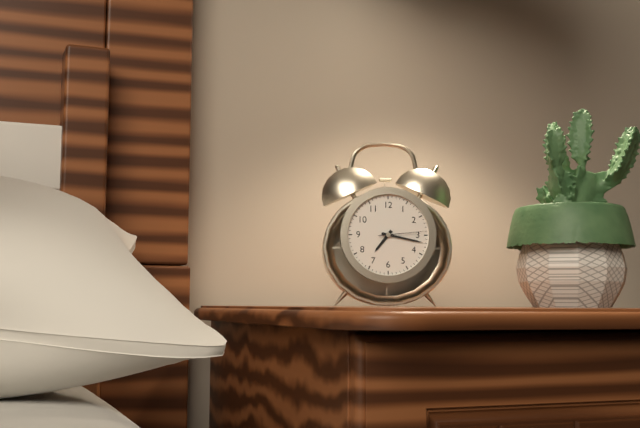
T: 7:17
